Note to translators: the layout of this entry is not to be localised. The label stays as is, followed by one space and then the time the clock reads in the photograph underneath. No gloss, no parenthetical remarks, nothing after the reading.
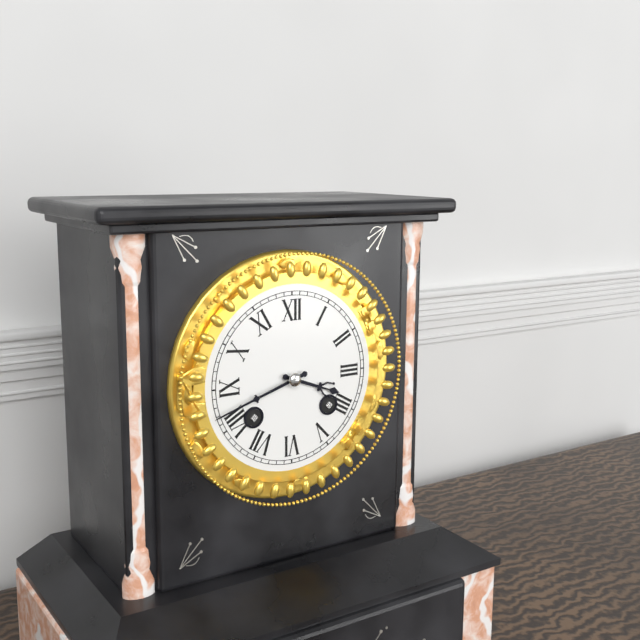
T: 3:42
